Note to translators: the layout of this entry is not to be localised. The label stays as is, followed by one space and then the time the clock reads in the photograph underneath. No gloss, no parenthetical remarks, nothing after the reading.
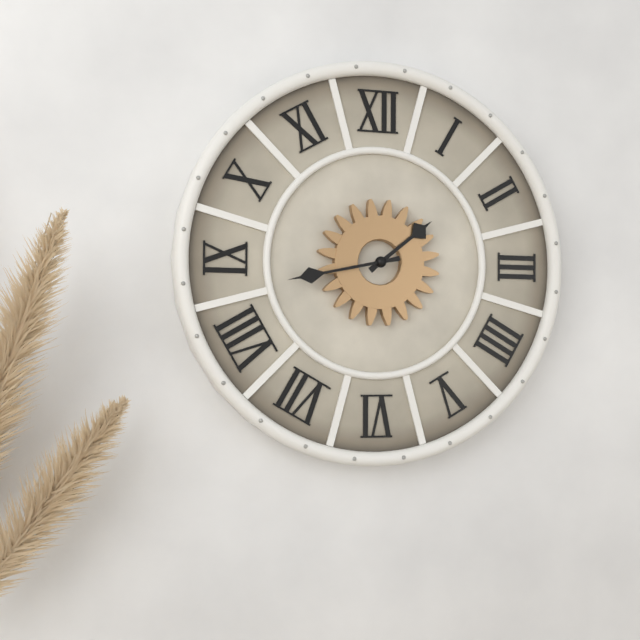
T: 1:43
